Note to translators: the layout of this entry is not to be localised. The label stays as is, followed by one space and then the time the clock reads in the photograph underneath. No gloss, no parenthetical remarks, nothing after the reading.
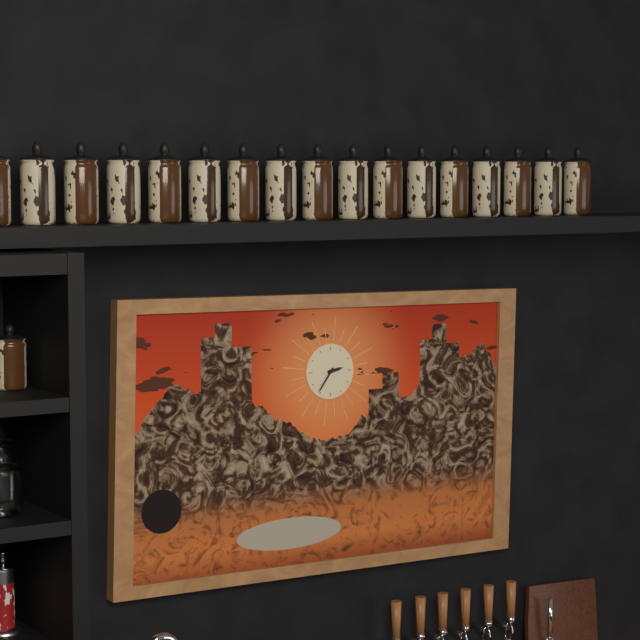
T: 2:36
